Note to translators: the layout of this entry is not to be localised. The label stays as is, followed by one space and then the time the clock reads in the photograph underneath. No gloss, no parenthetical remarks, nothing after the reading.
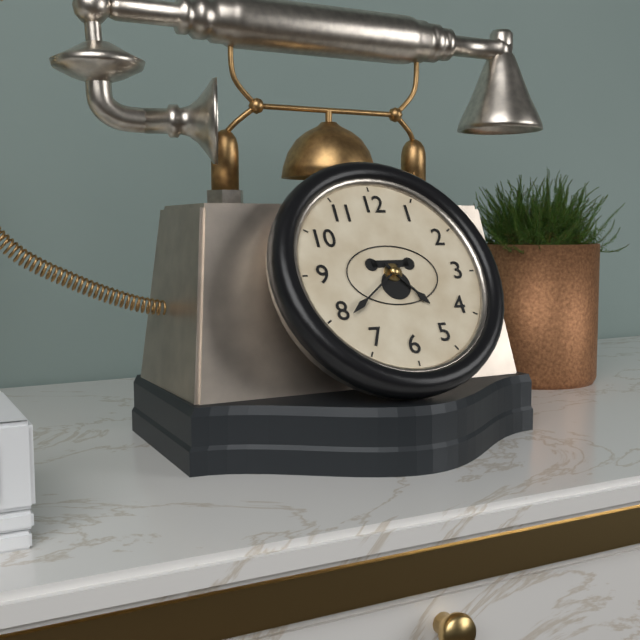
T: 4:39
